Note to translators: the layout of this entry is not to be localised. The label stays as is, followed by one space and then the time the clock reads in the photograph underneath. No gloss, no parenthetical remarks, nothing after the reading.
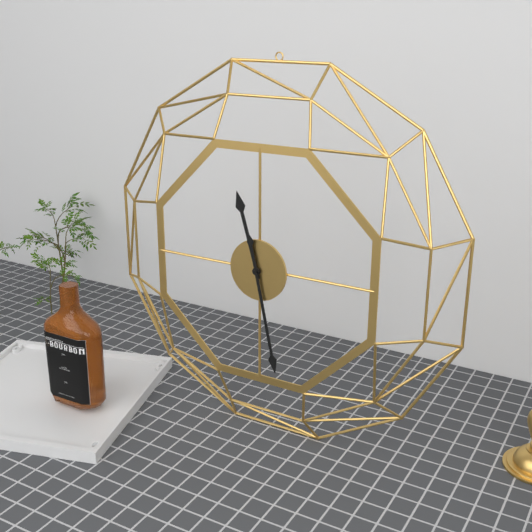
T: 11:28
